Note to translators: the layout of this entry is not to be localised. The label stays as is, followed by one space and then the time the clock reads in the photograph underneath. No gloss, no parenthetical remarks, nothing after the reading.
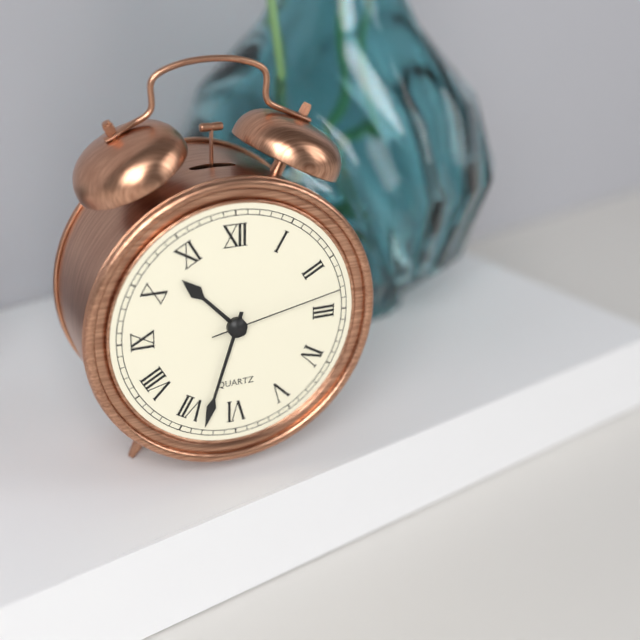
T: 10:33:13
